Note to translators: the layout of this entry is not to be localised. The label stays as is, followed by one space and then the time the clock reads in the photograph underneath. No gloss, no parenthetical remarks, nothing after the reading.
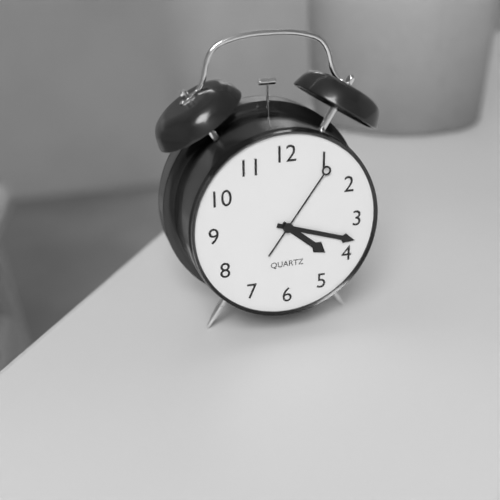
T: 4:18:06
